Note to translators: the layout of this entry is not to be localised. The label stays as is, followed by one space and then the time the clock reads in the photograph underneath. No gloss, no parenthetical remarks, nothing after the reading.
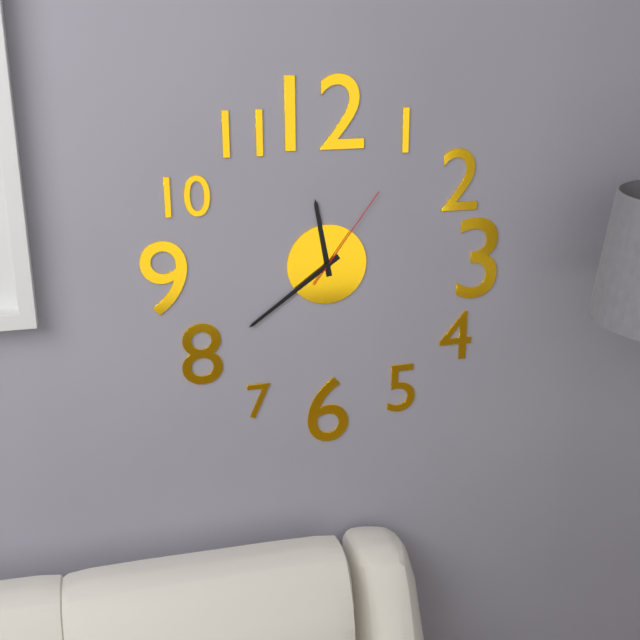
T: 11:39:06
